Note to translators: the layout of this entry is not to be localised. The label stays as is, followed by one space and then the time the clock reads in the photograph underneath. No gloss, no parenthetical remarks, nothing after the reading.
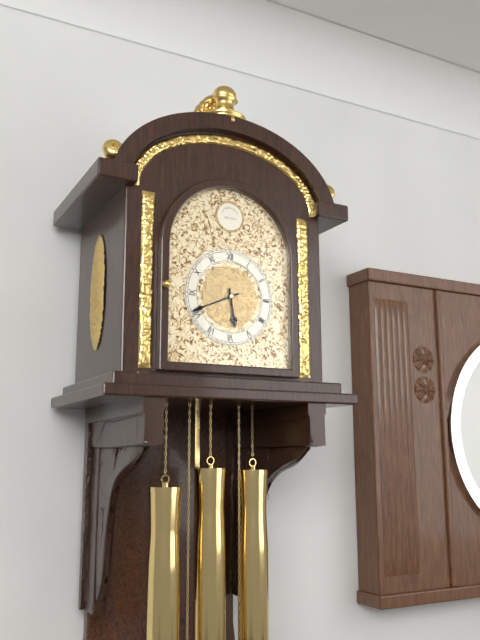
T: 5:41
